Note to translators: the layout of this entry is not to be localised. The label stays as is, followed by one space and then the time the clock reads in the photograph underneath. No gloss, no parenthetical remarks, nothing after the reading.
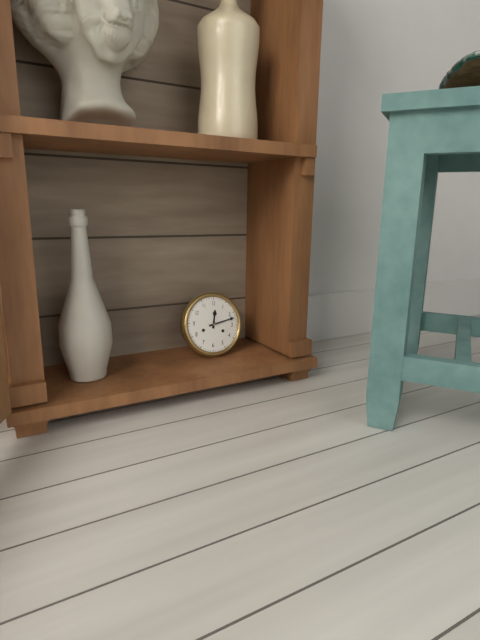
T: 12:12
